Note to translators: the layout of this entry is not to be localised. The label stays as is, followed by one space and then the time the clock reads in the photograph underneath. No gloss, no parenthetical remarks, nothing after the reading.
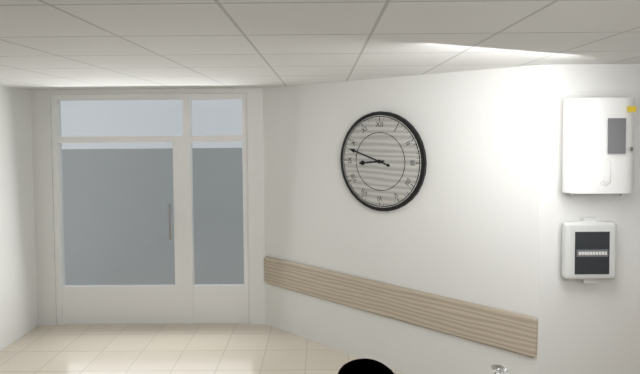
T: 8:48
